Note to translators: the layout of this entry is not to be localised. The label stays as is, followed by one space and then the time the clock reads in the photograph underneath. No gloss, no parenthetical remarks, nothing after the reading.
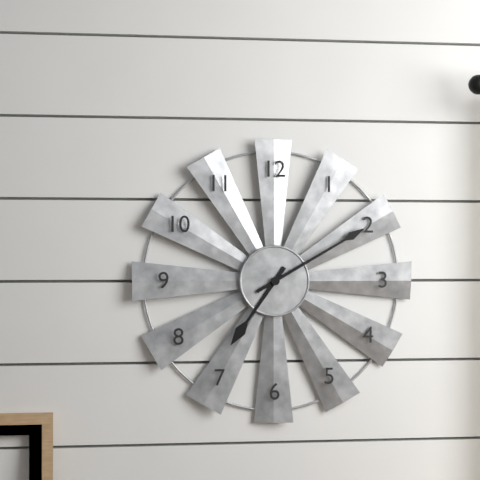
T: 7:10
